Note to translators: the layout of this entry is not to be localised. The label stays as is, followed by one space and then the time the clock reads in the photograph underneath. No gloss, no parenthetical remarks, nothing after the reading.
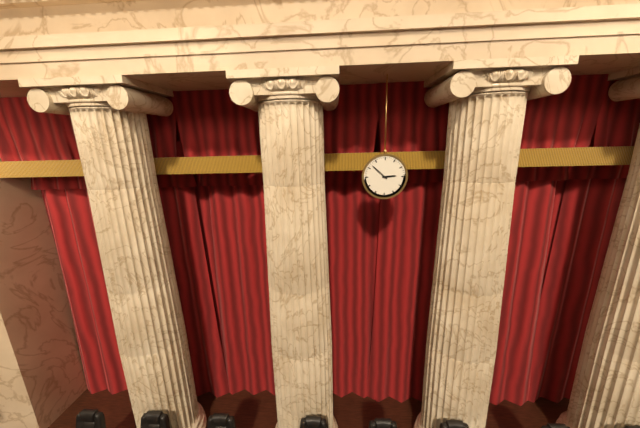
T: 2:52
